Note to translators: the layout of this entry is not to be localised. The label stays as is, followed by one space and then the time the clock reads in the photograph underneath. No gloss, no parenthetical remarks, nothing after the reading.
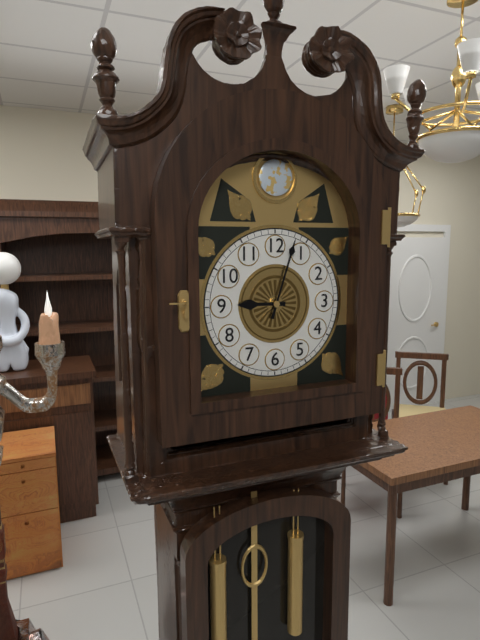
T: 9:03
